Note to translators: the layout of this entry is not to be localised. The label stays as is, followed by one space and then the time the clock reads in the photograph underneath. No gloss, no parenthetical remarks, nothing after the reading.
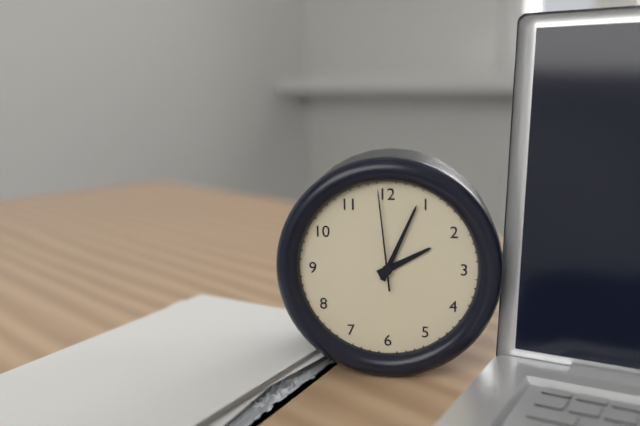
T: 2:04:59
